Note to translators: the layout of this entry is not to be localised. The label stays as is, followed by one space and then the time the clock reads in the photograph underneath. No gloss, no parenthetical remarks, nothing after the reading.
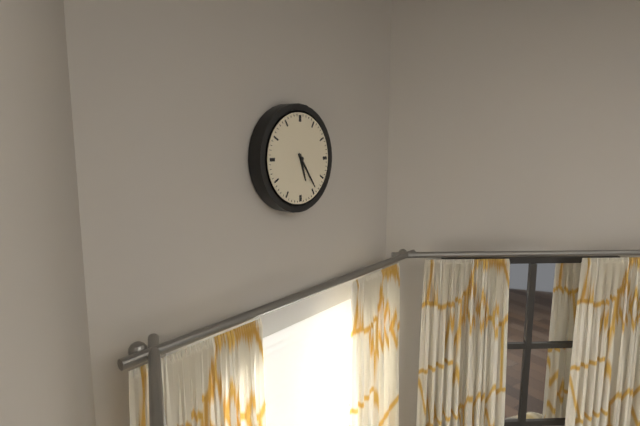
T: 5:24
